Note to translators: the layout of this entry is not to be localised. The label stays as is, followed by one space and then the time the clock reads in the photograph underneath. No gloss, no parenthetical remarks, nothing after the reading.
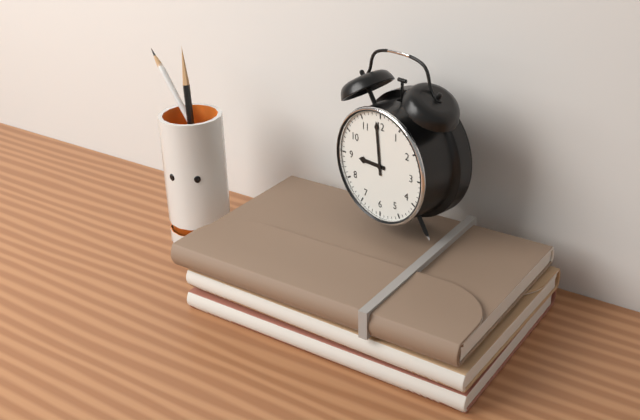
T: 8:59
